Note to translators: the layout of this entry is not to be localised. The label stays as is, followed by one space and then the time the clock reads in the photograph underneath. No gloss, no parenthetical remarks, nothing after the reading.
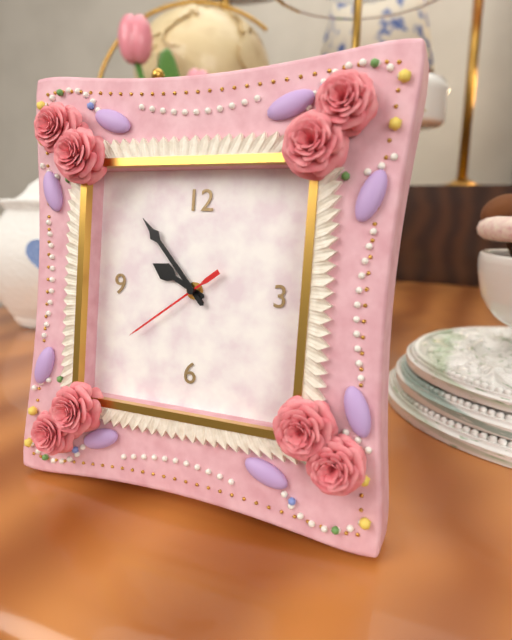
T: 9:53:39
